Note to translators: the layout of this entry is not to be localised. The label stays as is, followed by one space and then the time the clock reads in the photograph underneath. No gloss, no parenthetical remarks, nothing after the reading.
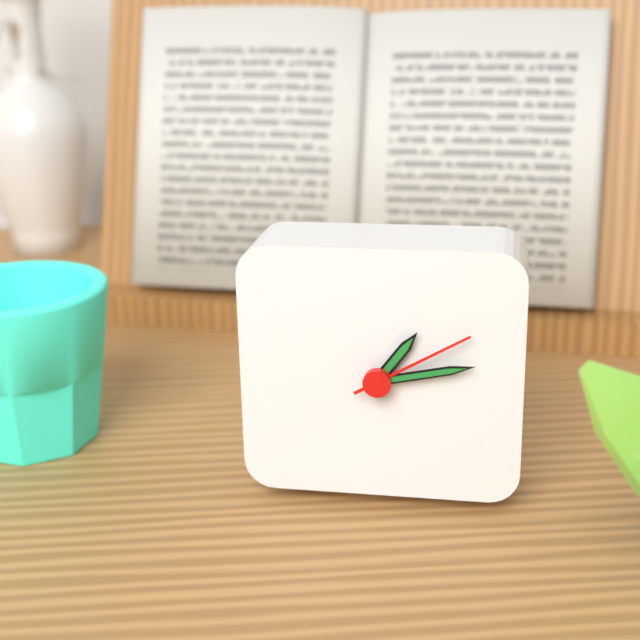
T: 1:13:10
